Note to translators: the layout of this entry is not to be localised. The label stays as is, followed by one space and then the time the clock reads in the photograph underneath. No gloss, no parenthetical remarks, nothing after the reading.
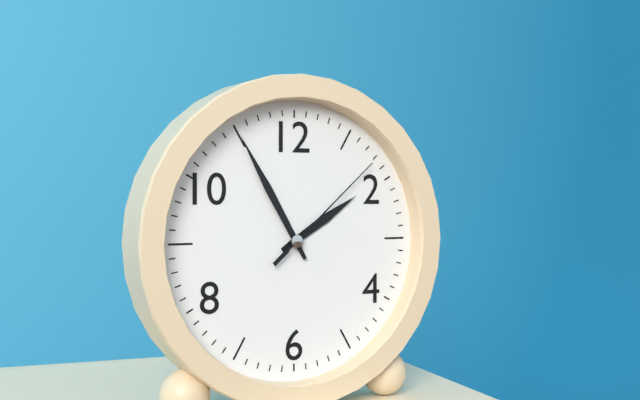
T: 1:55:08
